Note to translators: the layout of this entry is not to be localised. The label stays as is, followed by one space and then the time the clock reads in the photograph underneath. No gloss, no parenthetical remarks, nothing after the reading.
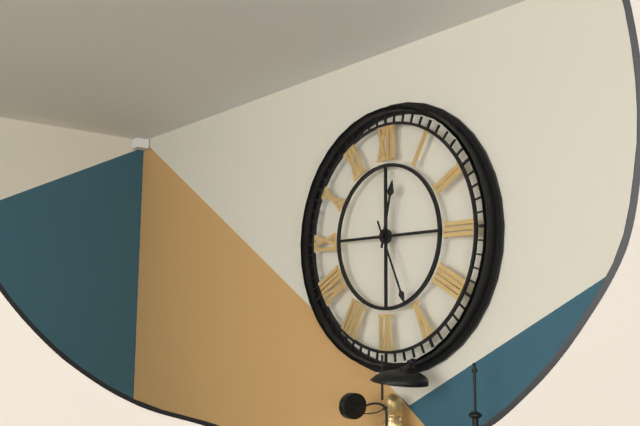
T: 12:26
